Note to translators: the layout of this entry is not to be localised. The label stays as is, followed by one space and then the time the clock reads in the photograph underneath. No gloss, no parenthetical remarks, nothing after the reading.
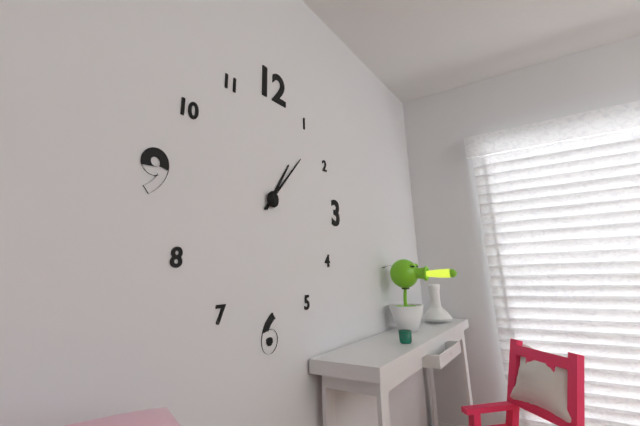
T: 1:07
